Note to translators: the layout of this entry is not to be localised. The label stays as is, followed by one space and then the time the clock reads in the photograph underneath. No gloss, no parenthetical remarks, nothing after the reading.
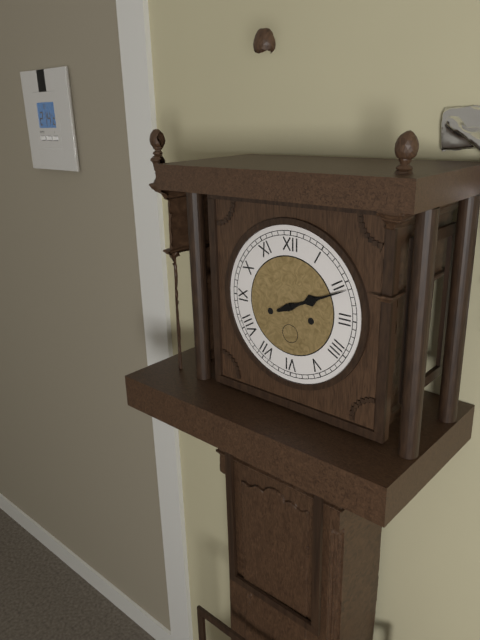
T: 2:11
